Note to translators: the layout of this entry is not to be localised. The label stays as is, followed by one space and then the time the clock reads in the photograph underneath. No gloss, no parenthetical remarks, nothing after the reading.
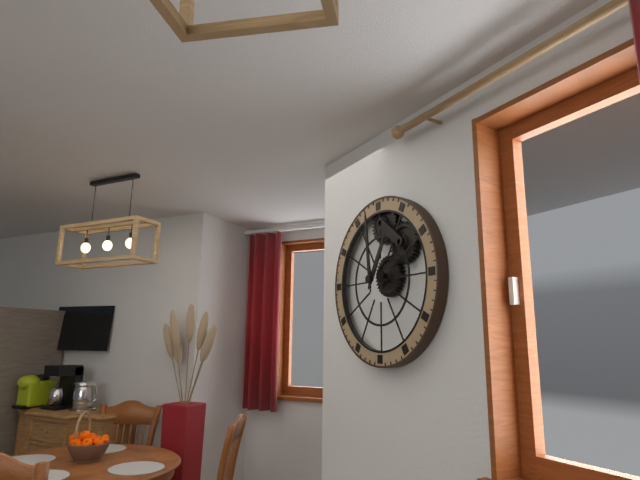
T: 12:59
